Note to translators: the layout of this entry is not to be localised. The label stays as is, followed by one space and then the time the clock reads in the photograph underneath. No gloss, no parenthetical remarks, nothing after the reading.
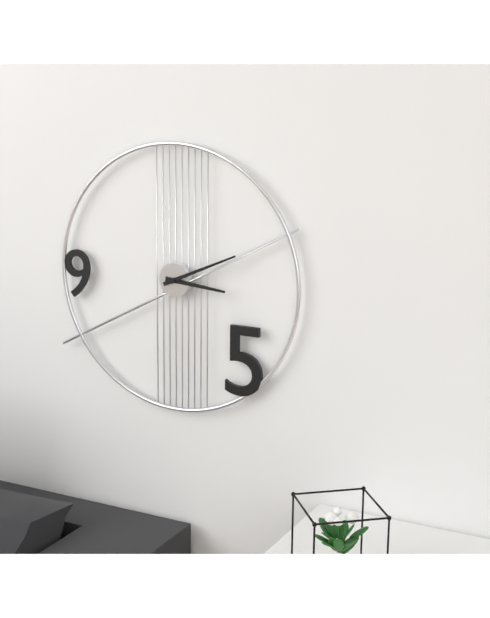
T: 3:11
